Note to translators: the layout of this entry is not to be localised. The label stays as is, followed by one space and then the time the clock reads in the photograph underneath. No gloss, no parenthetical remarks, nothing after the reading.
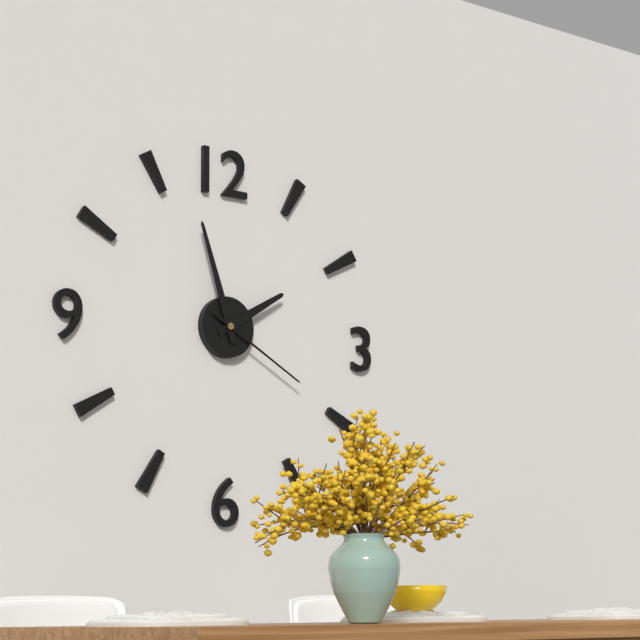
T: 1:57:20
